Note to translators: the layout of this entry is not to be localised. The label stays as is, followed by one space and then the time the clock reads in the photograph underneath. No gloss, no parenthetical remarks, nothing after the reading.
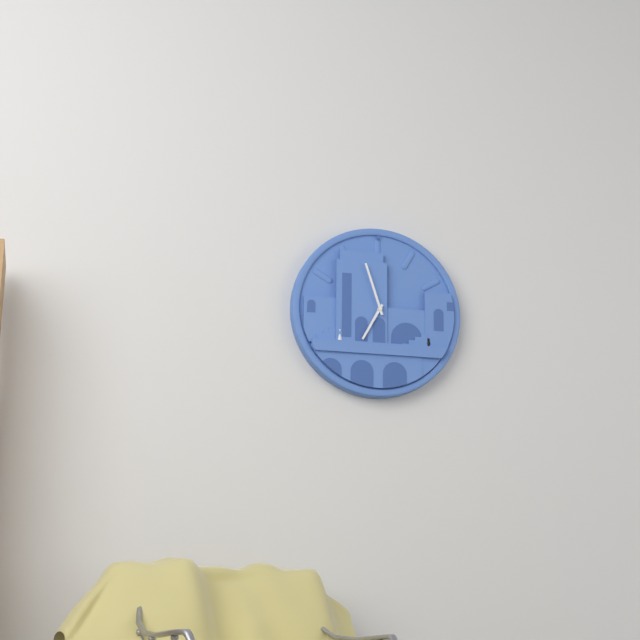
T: 6:57
